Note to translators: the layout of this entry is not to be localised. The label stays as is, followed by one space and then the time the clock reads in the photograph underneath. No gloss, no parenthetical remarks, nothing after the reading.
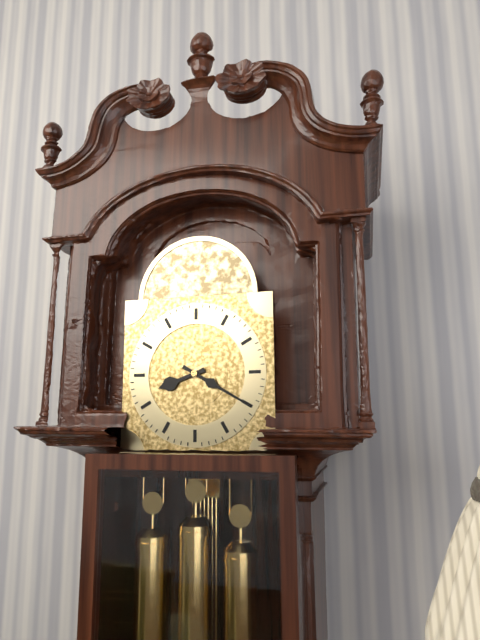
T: 8:20
